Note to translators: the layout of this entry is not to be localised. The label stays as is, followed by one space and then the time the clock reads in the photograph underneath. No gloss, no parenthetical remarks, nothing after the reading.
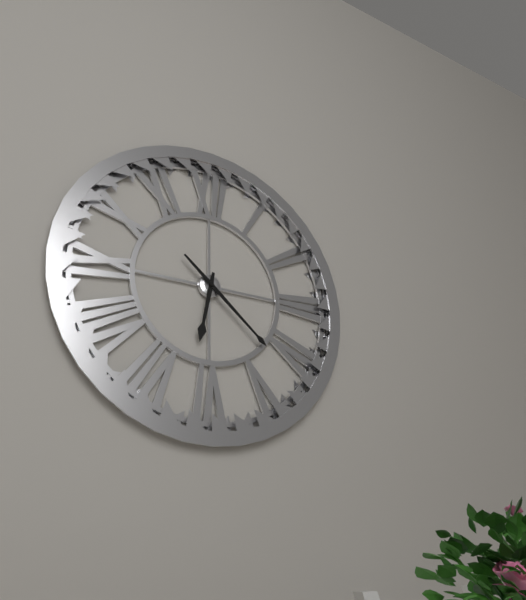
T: 6:22
